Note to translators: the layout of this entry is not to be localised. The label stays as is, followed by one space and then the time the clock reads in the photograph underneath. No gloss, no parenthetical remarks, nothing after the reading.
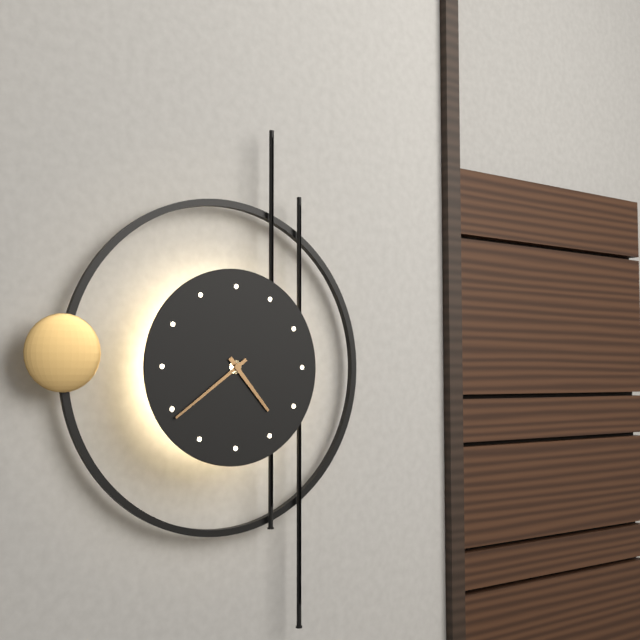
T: 4:39
